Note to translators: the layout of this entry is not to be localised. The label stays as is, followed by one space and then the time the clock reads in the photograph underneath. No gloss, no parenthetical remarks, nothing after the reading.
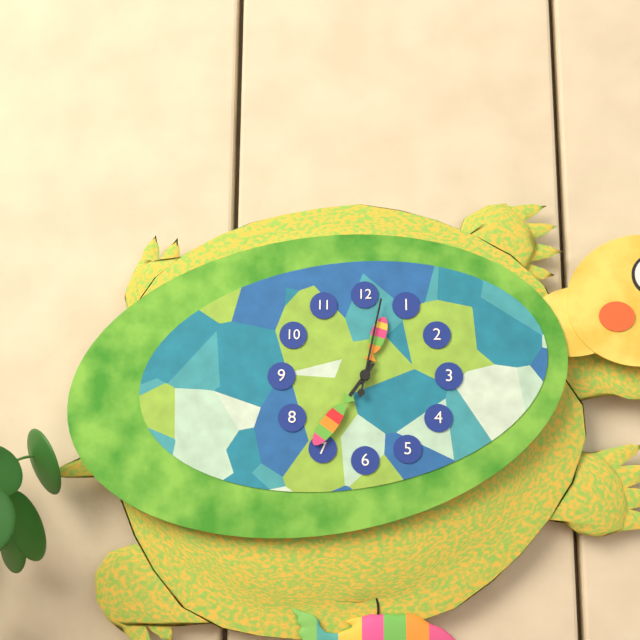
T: 12:36:02
